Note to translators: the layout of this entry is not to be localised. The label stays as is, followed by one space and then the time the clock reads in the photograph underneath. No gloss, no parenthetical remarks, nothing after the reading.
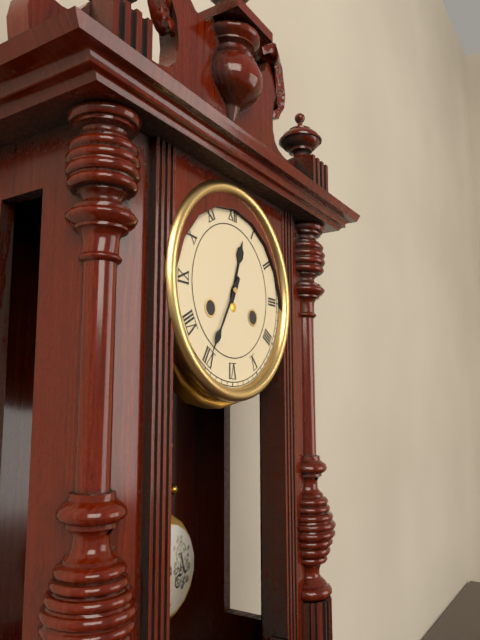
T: 12:35
